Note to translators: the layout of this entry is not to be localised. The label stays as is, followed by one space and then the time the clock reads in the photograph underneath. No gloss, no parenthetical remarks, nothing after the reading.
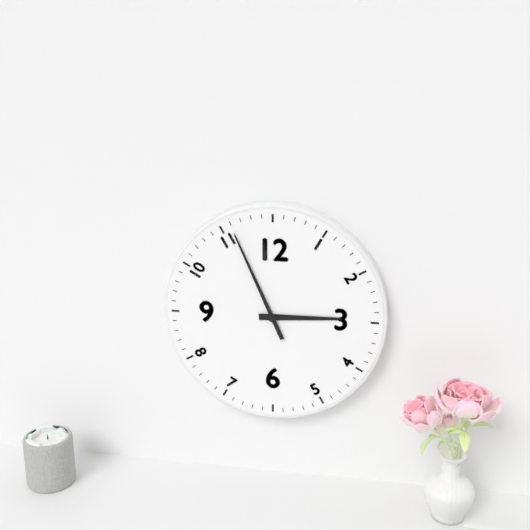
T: 2:56
